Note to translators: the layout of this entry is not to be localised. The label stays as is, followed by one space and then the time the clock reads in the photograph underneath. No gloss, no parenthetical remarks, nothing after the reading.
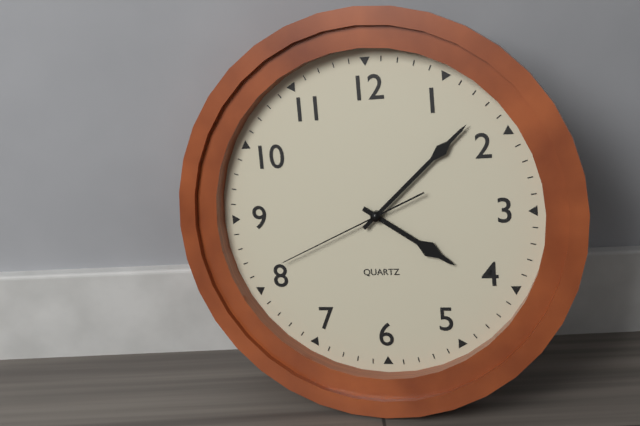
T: 4:08:41
